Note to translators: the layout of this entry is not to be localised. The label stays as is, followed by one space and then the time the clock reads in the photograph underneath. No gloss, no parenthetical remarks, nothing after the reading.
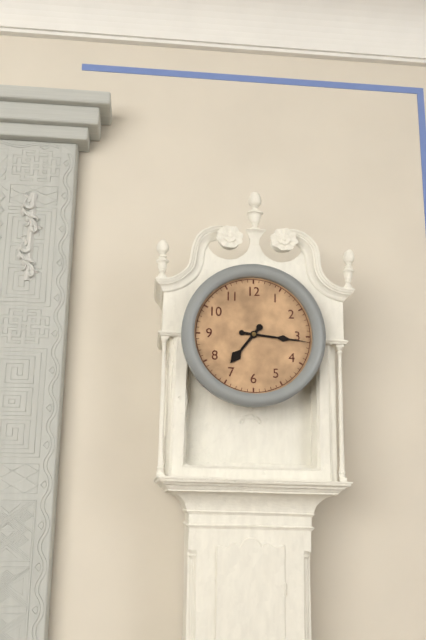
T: 7:16
